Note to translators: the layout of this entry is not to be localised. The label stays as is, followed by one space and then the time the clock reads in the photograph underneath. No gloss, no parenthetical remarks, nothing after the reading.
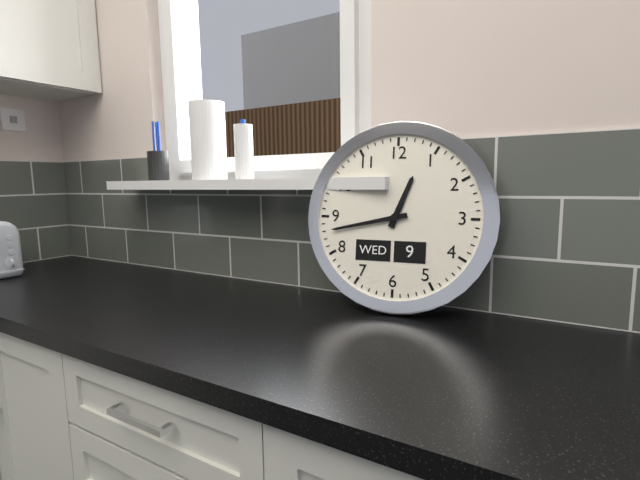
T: 12:43
